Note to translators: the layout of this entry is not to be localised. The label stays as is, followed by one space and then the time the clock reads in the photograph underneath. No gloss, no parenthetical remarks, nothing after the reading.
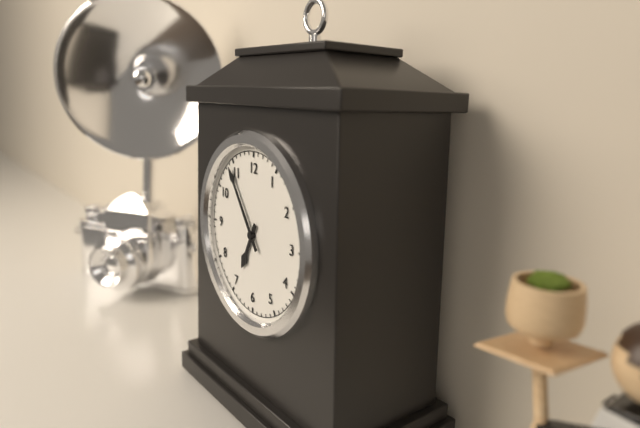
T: 6:54
